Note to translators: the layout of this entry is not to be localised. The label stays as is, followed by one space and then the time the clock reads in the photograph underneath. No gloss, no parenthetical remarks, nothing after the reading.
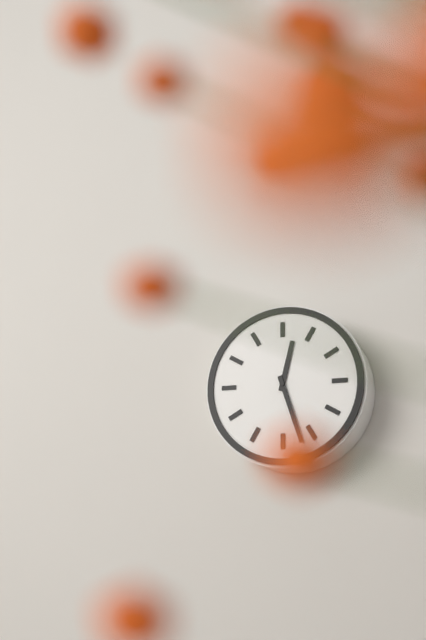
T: 12:27
